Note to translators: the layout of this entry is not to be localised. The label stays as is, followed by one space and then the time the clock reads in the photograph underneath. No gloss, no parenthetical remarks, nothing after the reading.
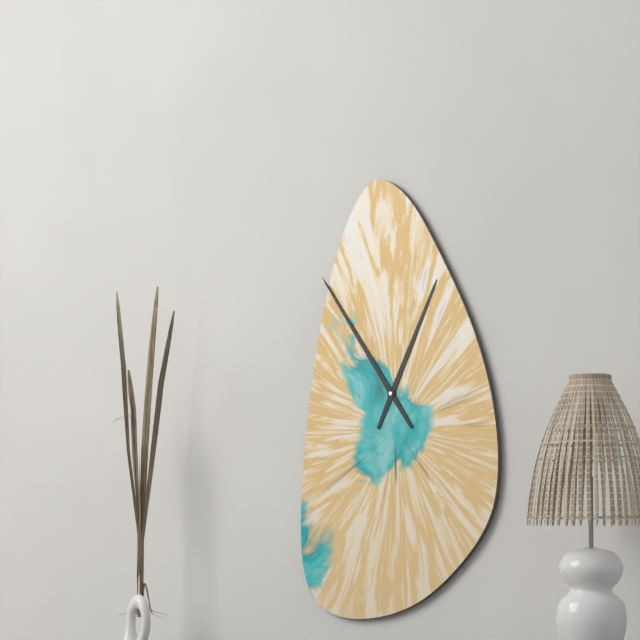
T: 12:54
